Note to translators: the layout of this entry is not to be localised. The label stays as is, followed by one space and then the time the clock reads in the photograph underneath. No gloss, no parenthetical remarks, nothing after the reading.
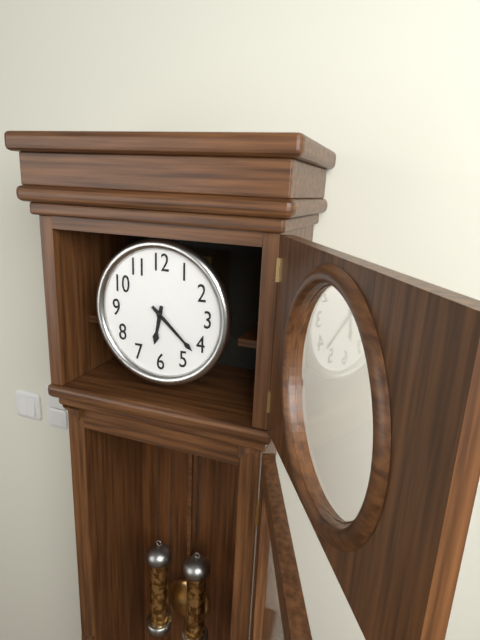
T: 6:22
